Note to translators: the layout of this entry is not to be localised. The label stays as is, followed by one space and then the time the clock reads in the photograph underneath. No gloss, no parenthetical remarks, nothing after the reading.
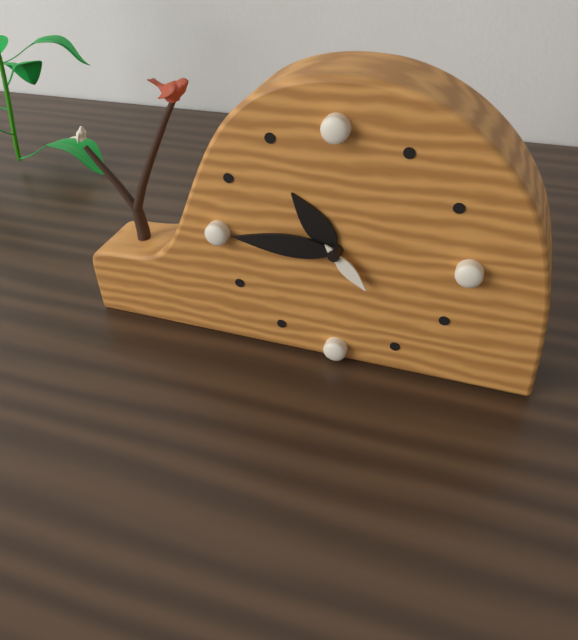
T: 10:45:23
